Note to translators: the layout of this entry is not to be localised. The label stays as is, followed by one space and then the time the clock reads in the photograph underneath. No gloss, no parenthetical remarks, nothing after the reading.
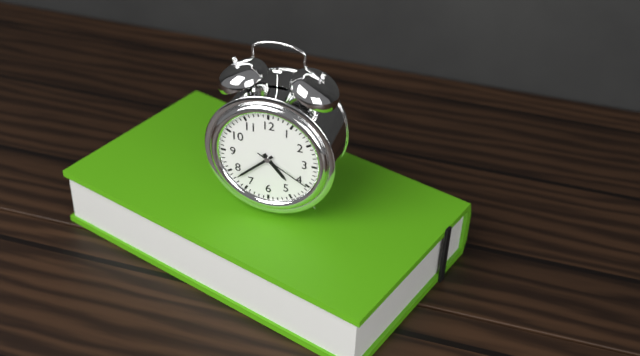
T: 4:38:20
